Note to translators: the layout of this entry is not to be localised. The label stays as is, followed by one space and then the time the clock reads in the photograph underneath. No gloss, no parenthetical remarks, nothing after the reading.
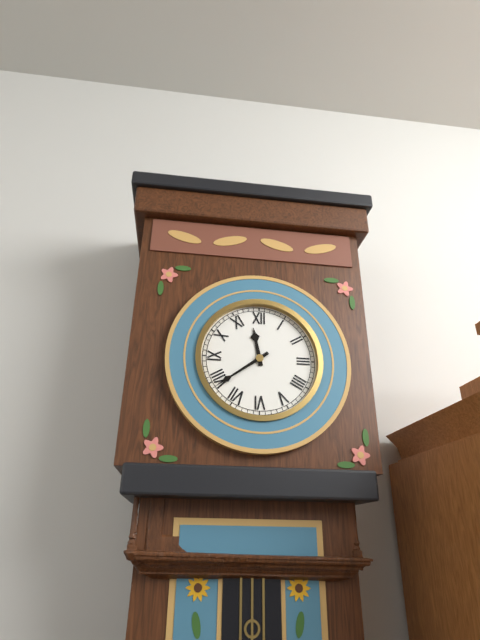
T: 11:39
